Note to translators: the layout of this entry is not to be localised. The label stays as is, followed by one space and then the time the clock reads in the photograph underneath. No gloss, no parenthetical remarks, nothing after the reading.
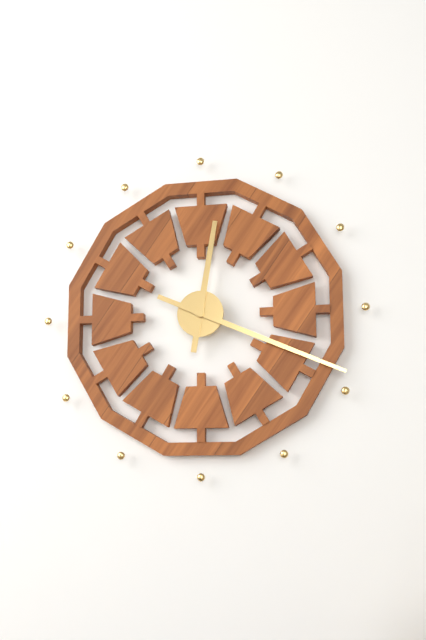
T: 12:19
